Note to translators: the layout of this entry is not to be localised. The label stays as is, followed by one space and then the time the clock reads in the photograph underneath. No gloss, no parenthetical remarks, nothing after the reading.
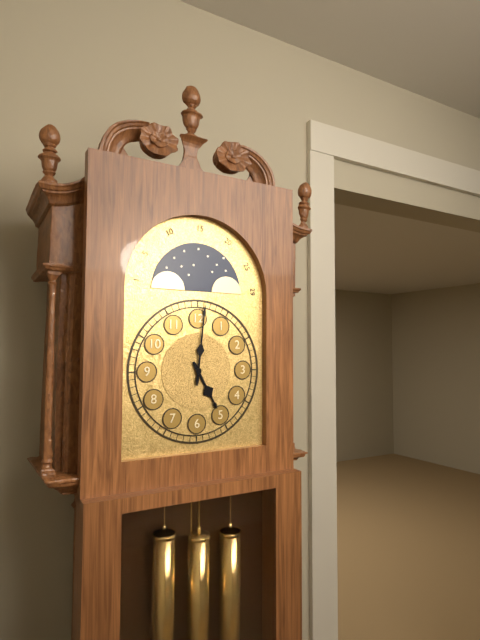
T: 5:01
